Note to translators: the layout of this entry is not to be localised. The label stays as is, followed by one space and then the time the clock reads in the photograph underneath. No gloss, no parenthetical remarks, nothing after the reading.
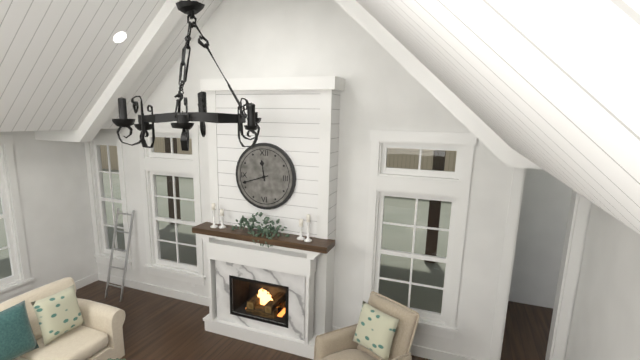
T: 11:42
